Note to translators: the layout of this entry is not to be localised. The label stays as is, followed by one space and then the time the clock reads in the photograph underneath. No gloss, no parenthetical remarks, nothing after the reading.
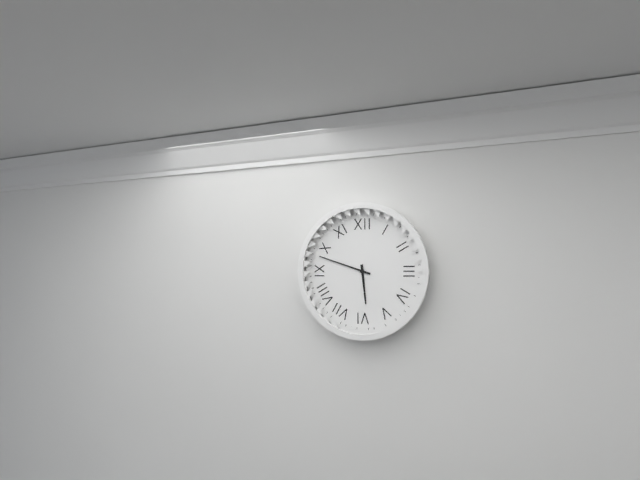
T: 5:48
